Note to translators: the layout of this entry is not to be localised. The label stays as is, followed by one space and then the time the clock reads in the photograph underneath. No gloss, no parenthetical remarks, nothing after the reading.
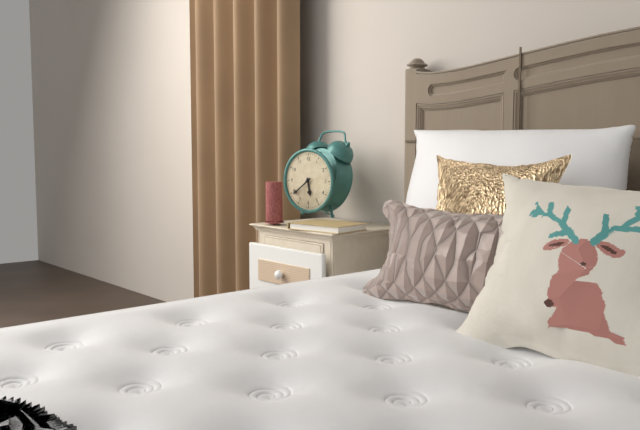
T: 5:39
